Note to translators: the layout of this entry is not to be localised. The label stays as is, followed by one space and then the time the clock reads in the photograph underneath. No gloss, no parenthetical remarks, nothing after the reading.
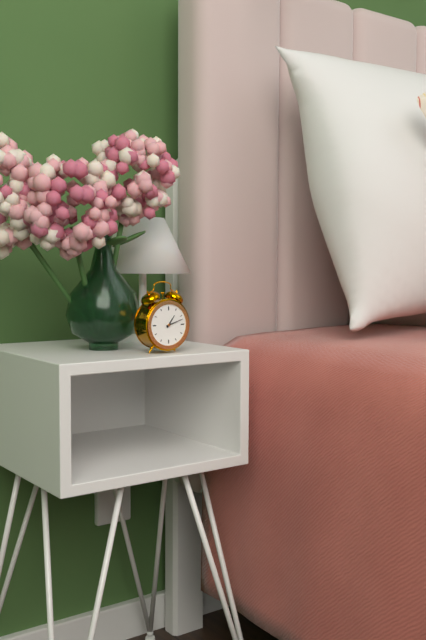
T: 1:12
